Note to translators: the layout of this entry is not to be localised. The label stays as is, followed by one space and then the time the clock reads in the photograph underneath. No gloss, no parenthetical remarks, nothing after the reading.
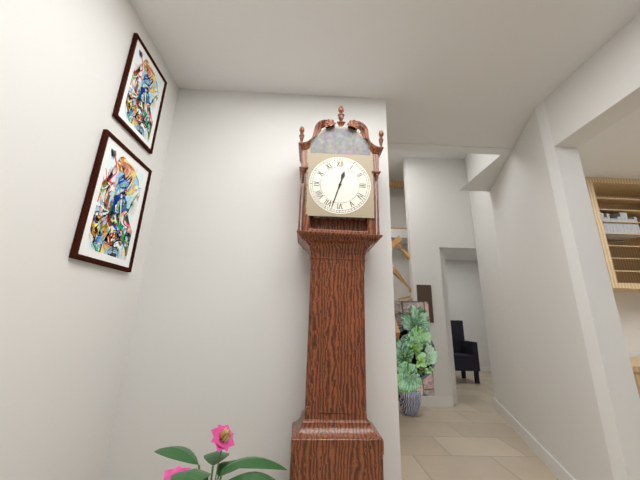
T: 12:33
